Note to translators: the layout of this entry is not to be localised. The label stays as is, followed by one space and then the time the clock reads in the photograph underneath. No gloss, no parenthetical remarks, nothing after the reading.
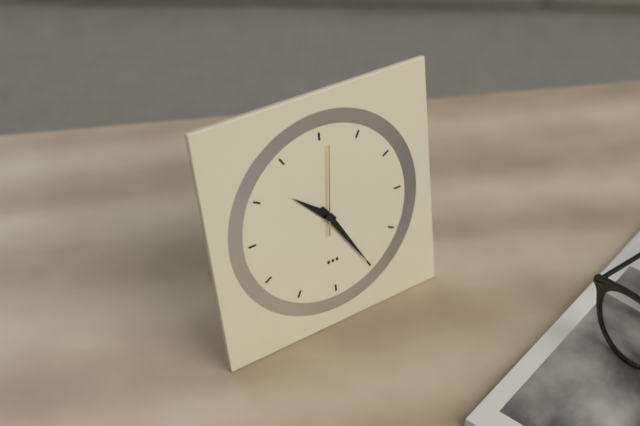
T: 10:25:01
